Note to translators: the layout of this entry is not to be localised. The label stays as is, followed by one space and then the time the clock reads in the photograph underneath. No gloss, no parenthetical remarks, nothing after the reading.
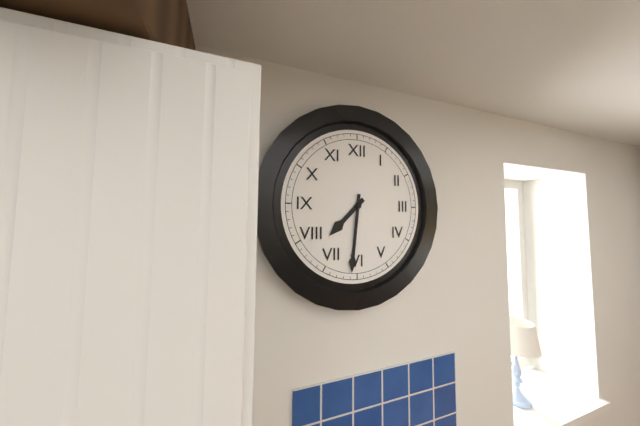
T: 7:31
